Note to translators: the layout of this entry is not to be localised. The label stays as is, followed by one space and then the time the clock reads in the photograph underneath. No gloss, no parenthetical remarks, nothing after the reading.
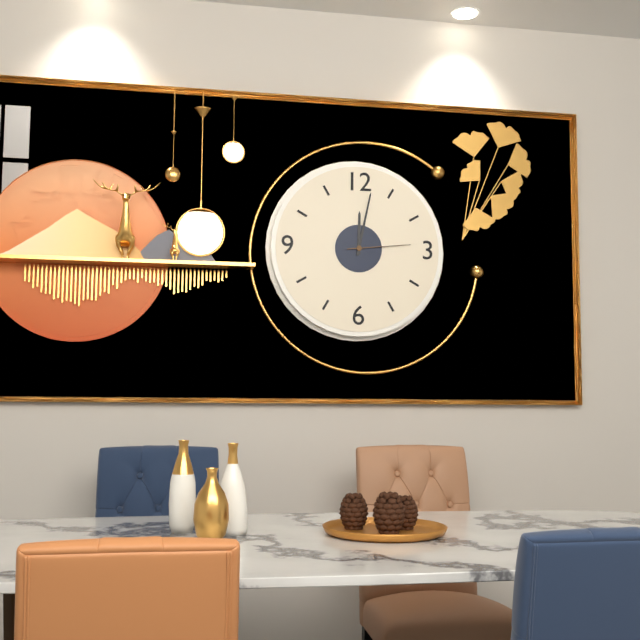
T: 12:02:14
